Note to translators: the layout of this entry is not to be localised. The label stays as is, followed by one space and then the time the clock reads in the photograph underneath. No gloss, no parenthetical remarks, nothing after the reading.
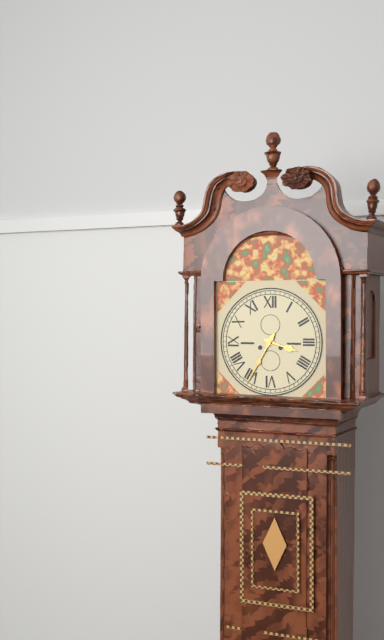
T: 3:35
